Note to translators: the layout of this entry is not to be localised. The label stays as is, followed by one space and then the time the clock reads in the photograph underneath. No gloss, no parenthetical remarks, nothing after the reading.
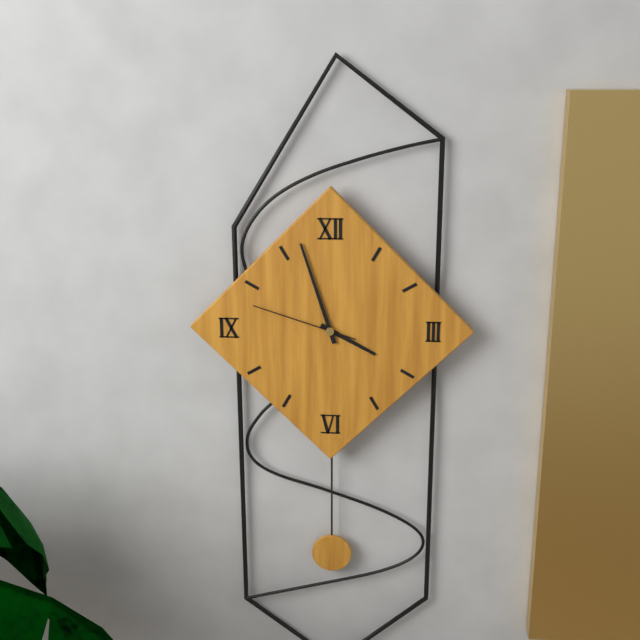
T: 3:57:48
